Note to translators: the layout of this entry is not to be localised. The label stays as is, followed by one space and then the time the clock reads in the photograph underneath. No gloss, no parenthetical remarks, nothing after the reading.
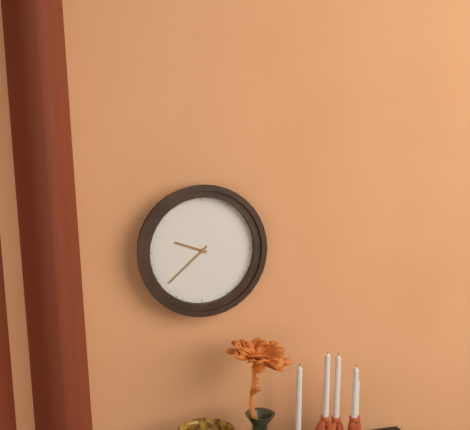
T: 9:38
